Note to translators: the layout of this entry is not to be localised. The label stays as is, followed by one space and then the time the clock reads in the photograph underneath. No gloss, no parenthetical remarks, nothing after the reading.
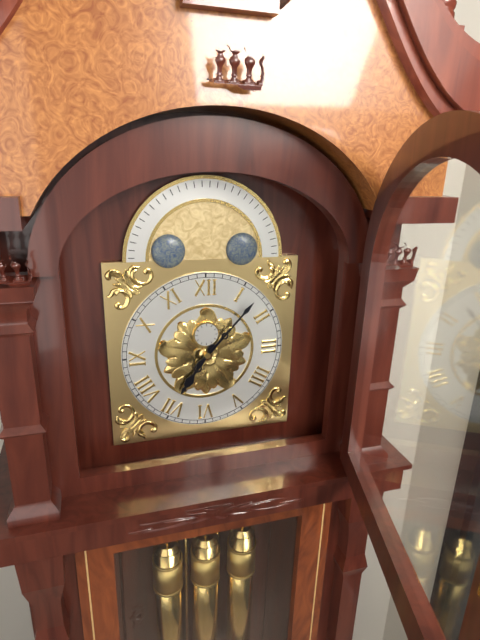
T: 7:07
